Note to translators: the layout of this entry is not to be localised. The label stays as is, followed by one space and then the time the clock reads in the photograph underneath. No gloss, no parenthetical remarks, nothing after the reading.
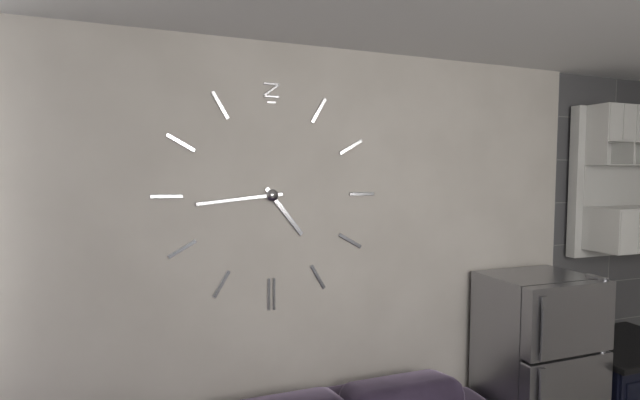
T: 4:44
